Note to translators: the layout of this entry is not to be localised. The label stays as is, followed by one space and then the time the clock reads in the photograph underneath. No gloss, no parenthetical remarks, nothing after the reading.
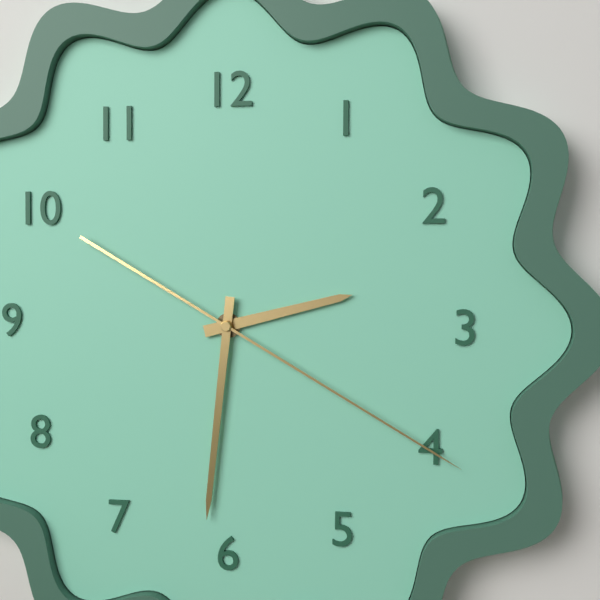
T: 2:31:20
